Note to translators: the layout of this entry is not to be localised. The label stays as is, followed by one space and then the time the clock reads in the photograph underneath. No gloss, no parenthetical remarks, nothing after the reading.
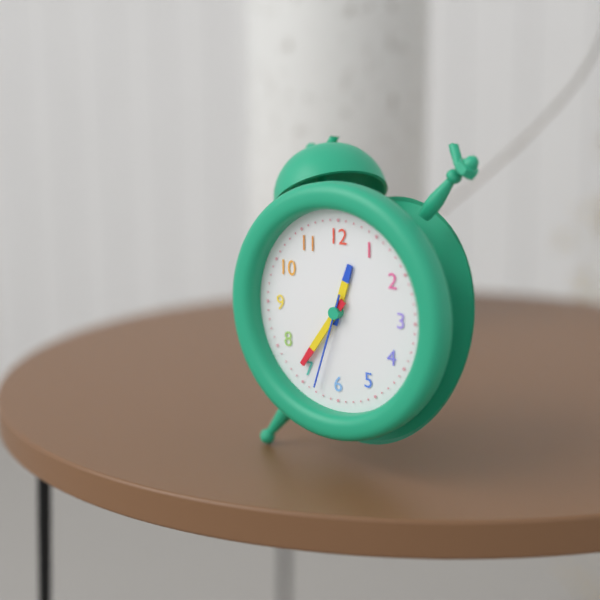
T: 12:36:33
